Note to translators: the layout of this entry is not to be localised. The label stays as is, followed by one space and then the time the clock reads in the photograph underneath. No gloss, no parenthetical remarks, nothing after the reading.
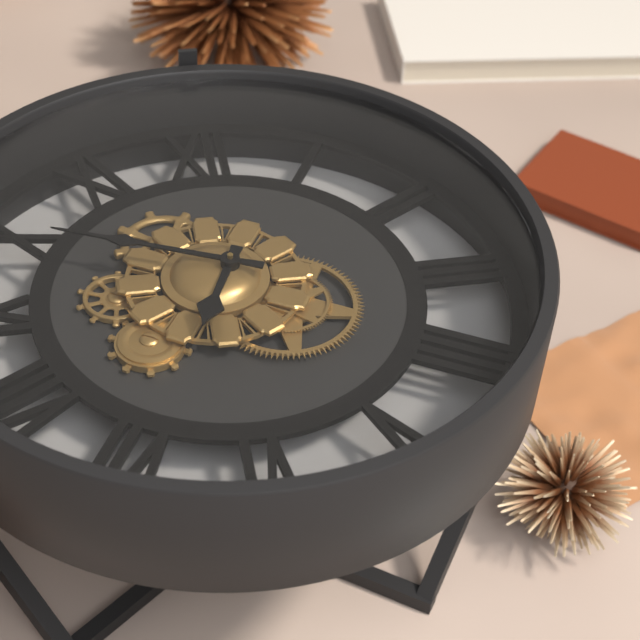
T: 6:49
